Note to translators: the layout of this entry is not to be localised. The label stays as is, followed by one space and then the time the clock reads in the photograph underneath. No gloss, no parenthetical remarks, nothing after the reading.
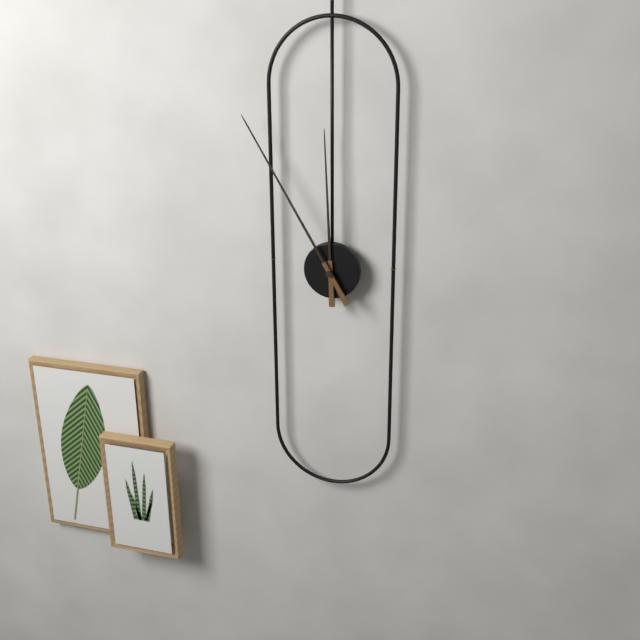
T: 11:55
